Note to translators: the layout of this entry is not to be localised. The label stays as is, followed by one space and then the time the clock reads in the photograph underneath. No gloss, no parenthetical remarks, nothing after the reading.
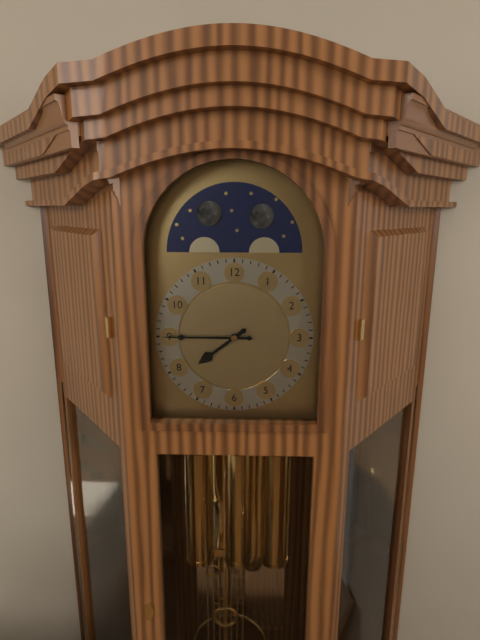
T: 7:45
